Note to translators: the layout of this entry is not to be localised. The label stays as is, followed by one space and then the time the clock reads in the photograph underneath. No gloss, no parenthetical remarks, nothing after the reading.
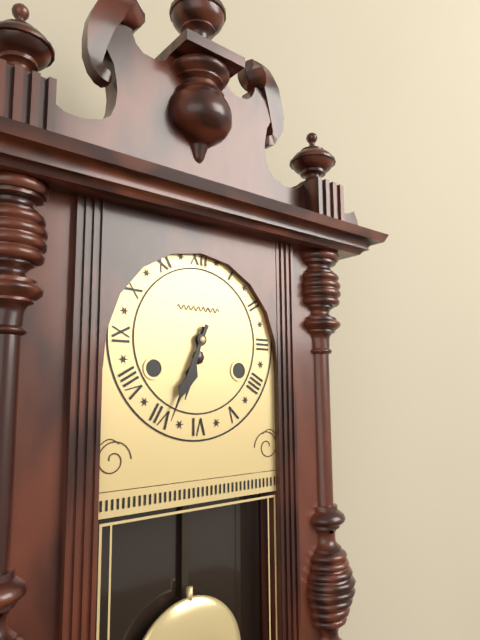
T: 6:34
